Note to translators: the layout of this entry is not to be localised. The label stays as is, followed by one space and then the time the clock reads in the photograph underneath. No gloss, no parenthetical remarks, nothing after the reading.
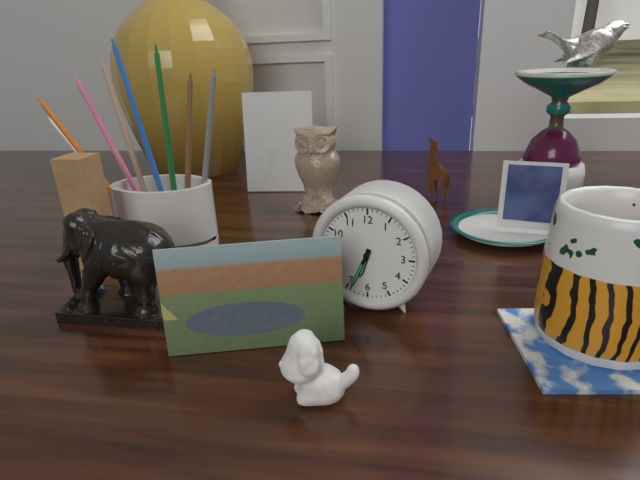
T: 6:34
